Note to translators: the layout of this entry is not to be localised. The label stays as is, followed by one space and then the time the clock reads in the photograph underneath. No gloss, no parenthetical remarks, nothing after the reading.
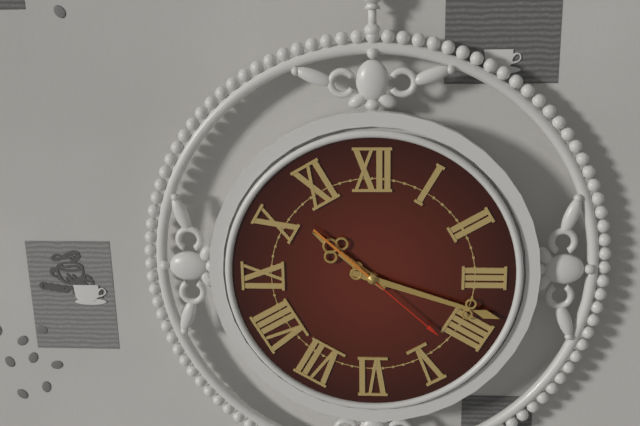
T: 10:18:22
